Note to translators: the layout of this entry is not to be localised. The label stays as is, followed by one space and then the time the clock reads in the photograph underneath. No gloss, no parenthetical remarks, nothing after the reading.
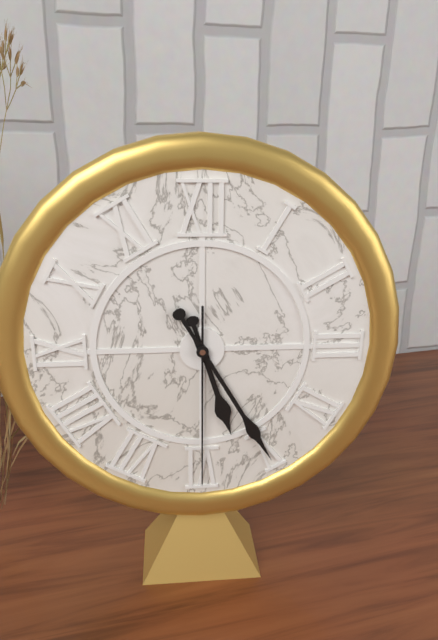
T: 5:25:30
